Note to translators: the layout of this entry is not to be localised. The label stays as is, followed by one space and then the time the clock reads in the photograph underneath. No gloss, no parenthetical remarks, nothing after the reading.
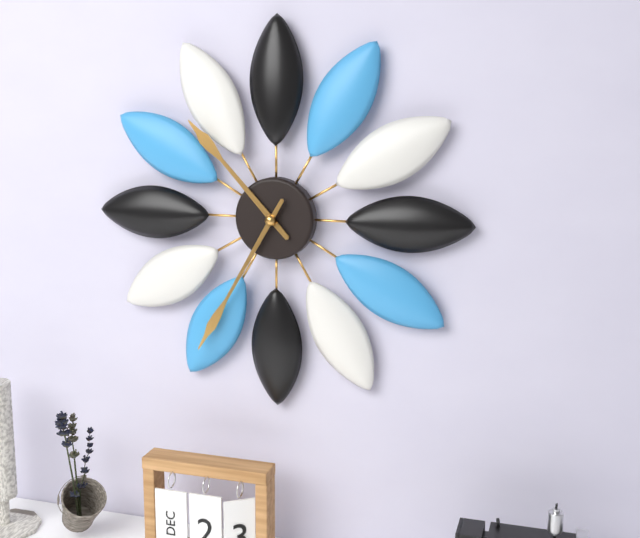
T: 10:35
